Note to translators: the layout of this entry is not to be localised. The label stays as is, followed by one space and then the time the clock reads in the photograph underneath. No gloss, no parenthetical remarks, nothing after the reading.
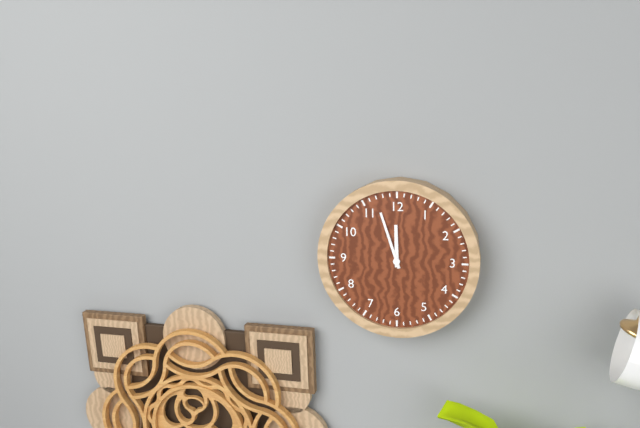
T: 11:57
